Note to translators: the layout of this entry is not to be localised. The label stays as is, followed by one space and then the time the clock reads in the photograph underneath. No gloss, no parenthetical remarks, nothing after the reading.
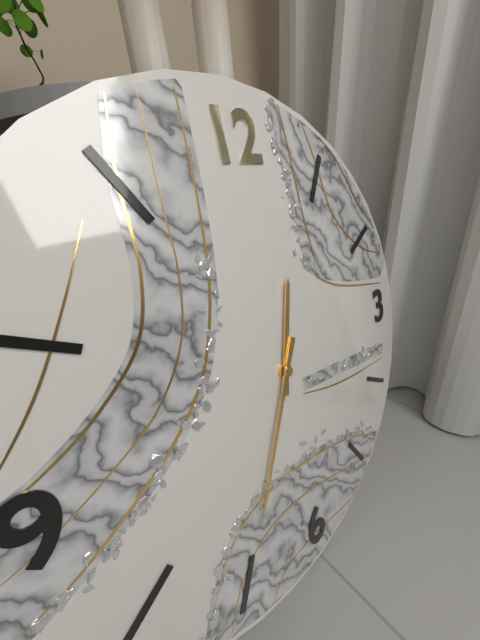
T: 12:35
